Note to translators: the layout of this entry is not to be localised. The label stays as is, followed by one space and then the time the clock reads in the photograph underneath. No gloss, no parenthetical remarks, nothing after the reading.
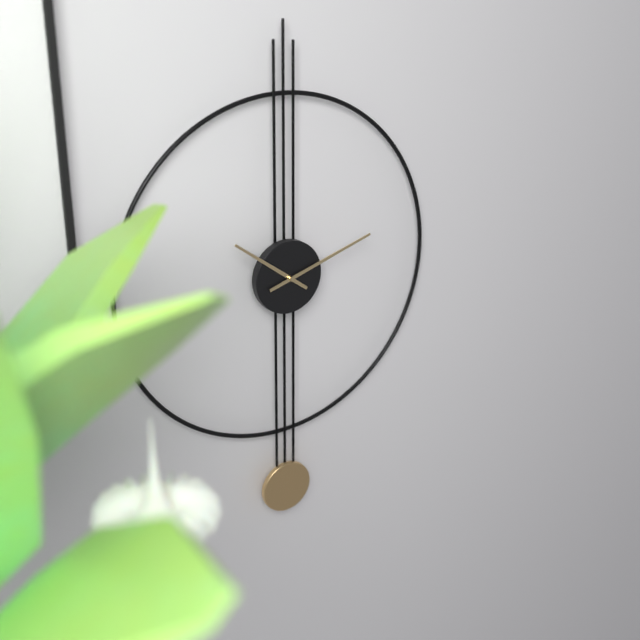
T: 10:12
